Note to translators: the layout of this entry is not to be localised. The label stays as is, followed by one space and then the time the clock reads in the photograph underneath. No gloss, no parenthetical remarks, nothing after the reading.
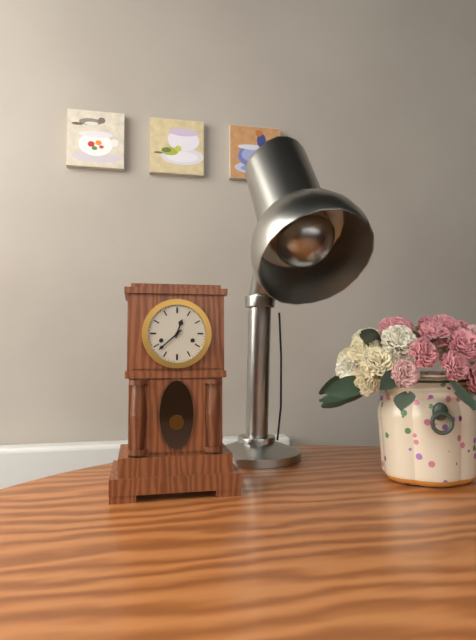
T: 12:38
